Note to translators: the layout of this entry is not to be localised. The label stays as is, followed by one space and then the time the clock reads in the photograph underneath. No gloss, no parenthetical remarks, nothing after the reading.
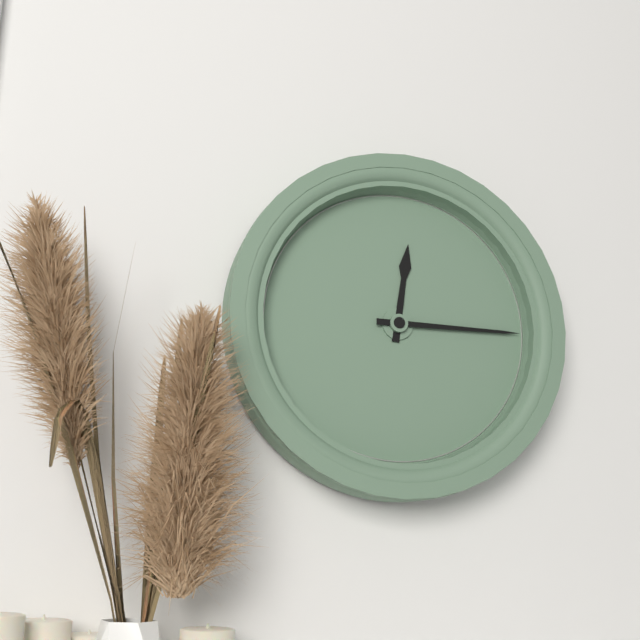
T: 12:15
